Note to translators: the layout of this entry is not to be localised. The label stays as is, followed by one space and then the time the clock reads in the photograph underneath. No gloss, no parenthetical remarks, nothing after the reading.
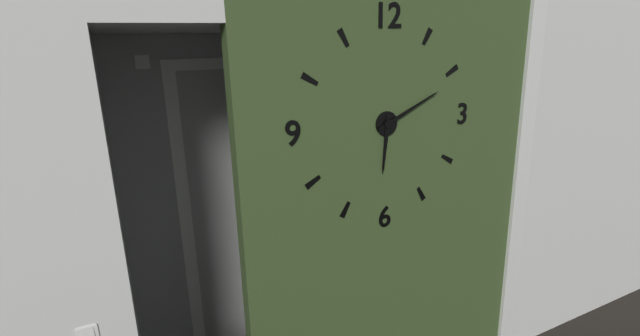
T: 6:11
